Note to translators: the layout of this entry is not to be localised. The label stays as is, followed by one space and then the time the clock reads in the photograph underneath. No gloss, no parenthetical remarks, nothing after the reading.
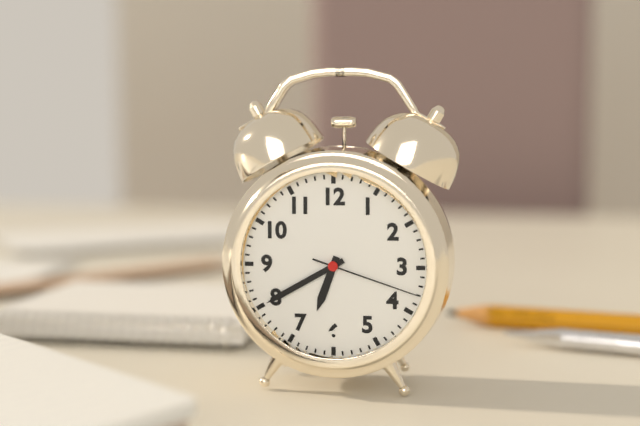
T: 6:40:18
